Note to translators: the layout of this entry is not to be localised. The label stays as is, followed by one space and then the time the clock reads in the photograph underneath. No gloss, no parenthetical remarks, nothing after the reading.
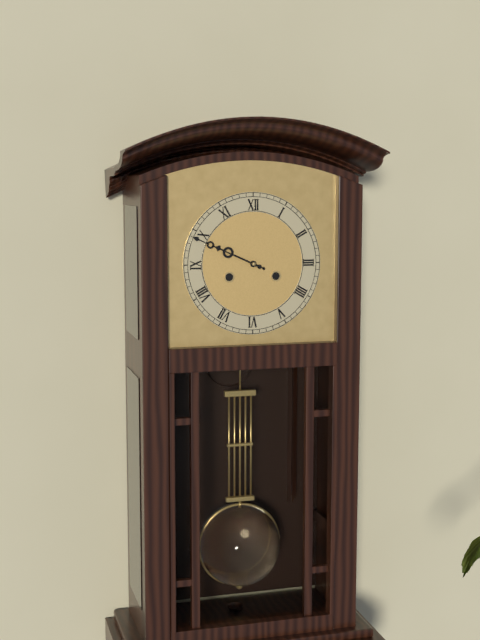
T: 9:49
